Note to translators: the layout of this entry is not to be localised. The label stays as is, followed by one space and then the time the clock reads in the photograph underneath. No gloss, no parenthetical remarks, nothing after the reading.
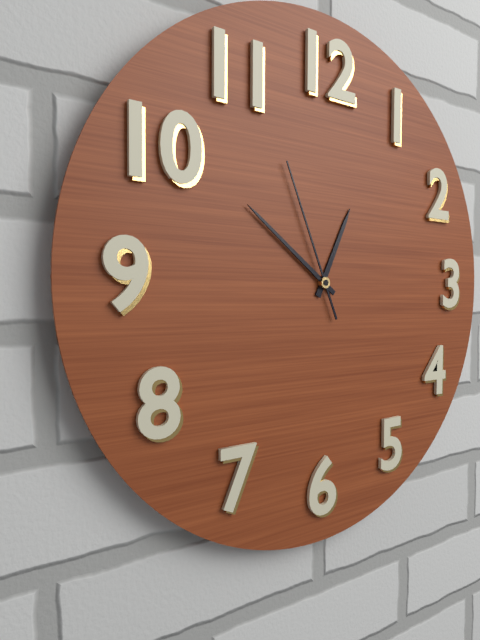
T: 12:51:56
